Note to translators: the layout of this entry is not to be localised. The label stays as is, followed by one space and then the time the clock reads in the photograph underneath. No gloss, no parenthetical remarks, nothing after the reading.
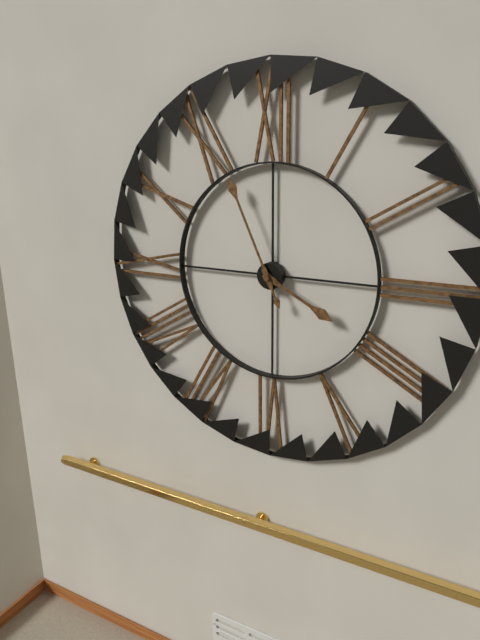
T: 3:56
